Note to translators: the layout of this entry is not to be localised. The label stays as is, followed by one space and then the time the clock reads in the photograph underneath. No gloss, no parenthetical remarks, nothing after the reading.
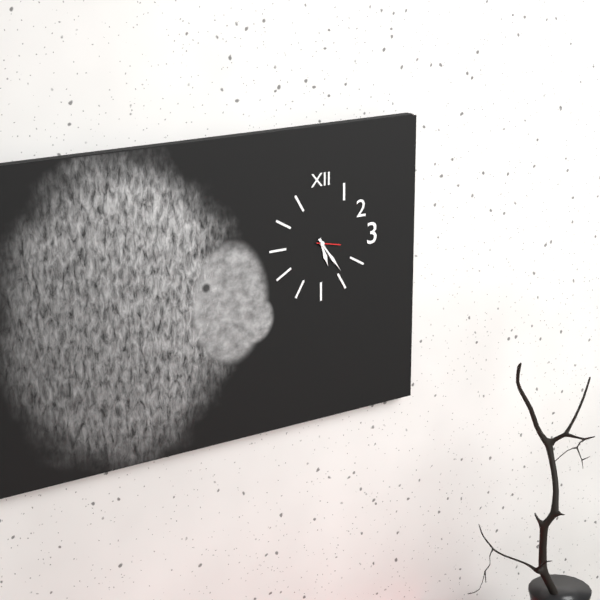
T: 5:24
